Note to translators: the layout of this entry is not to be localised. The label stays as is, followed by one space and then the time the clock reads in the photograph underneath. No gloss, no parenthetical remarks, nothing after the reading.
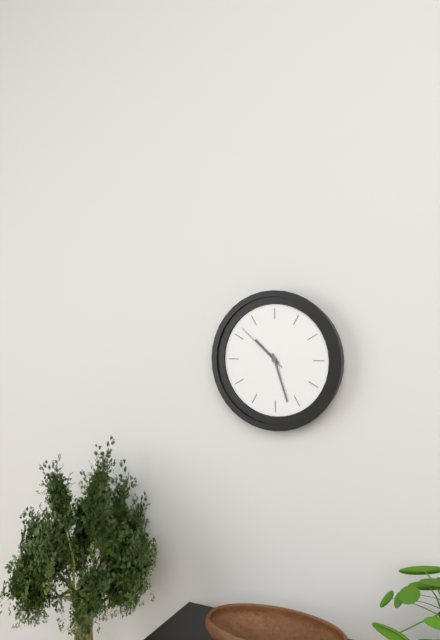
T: 10:27:52
